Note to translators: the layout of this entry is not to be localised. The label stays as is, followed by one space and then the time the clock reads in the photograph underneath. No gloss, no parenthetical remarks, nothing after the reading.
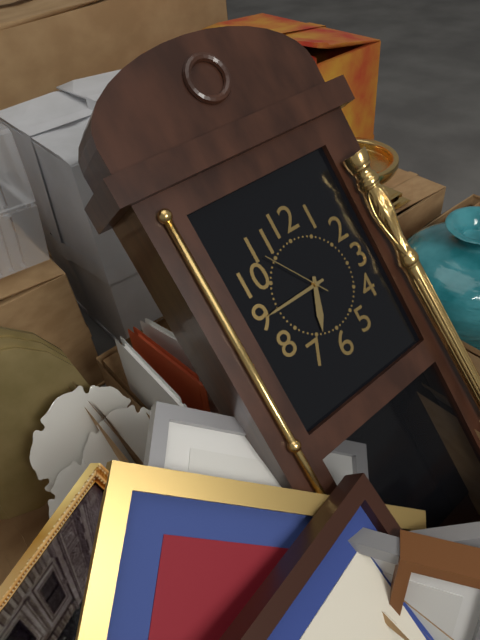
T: 6:45:54
